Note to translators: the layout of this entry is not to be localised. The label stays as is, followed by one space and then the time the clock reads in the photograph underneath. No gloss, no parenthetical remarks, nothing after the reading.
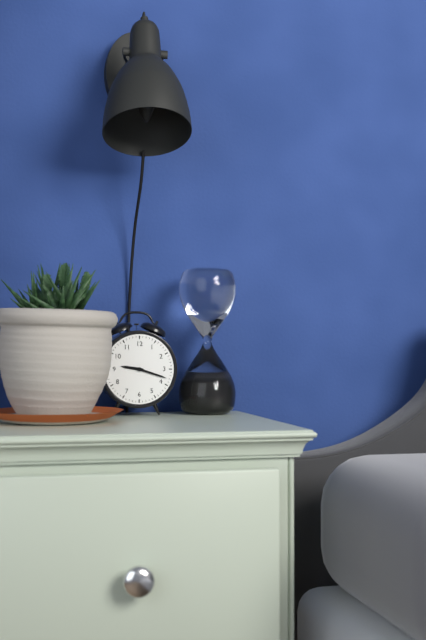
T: 9:18
